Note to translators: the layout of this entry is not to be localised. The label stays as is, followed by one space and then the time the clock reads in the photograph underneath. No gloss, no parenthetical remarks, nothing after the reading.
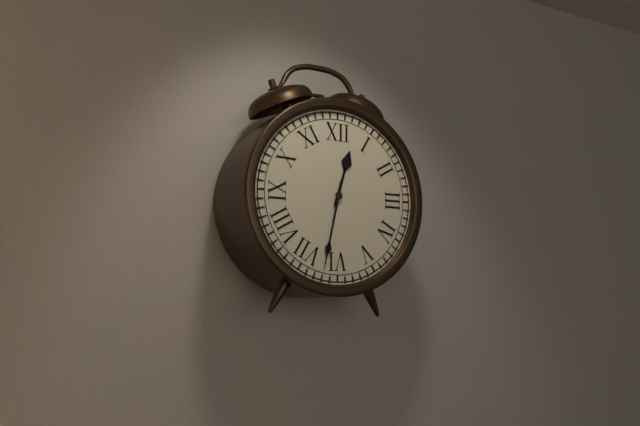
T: 12:32
